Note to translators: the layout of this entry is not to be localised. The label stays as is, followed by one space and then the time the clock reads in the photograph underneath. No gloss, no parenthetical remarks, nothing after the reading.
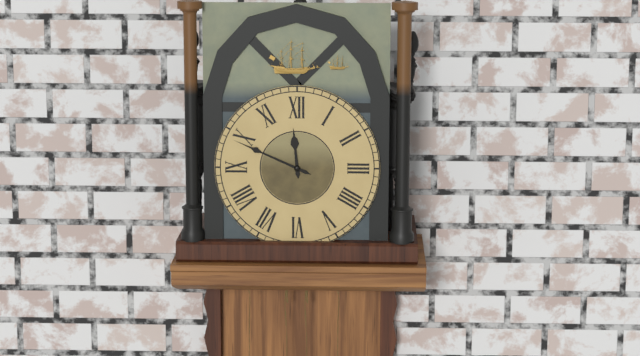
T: 11:49
